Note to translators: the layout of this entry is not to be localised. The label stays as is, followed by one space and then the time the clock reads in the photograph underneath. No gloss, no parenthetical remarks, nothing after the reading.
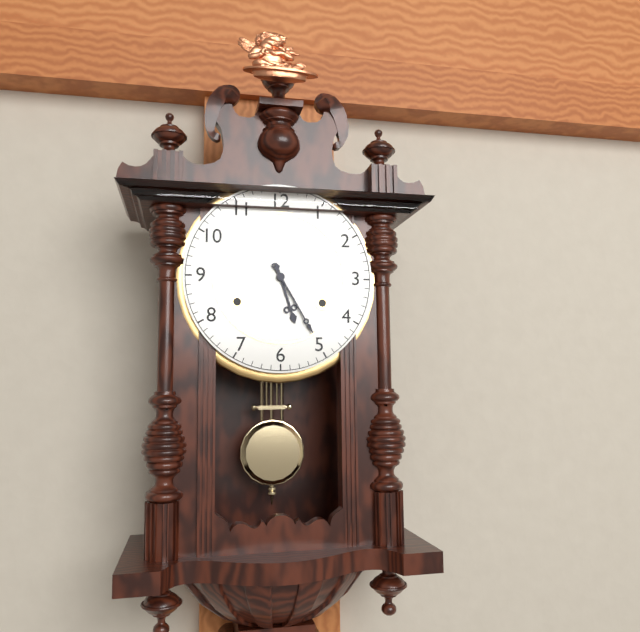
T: 5:25
